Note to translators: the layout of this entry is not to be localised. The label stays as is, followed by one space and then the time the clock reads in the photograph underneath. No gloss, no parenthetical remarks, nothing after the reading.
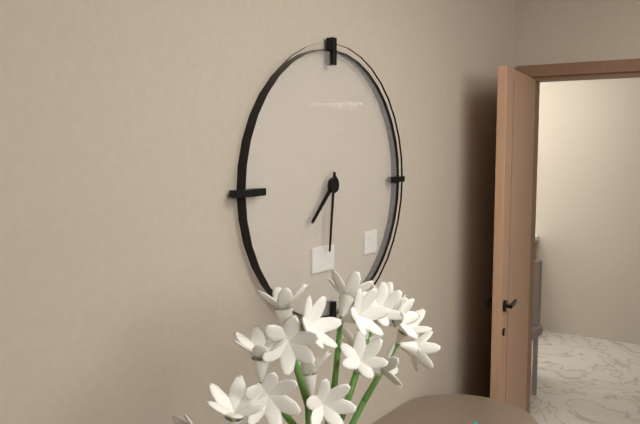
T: 7:31
